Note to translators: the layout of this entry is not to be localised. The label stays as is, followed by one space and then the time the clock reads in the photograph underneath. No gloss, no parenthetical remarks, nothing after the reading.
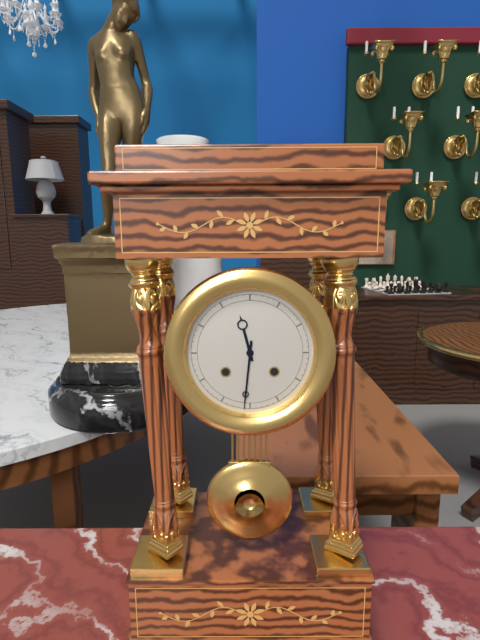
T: 11:31
